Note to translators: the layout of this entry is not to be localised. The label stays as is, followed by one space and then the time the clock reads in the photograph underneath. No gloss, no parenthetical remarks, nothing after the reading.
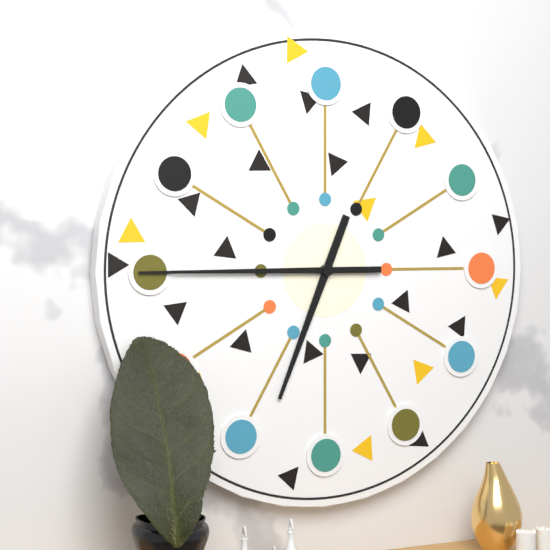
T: 6:45
